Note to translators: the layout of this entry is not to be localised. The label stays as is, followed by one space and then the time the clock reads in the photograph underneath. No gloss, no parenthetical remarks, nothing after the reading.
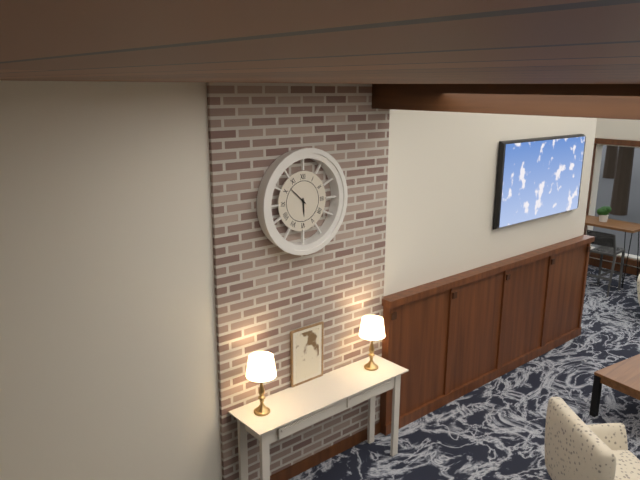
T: 5:52
